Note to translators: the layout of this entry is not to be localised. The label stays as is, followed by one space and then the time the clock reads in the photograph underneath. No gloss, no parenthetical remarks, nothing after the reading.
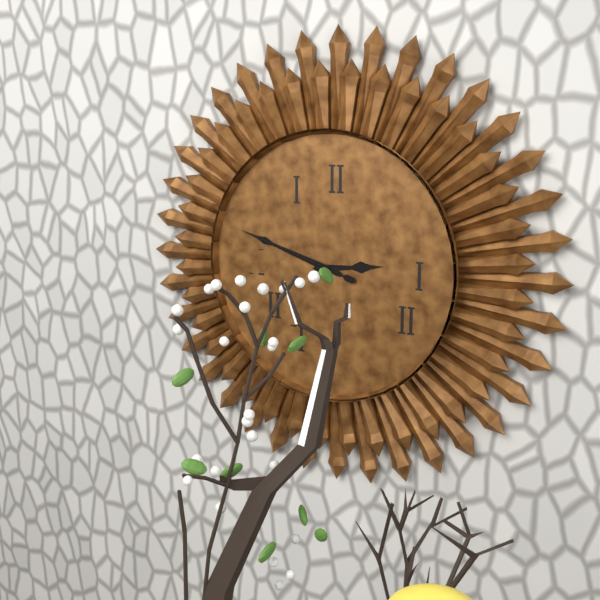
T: 2:48:48
